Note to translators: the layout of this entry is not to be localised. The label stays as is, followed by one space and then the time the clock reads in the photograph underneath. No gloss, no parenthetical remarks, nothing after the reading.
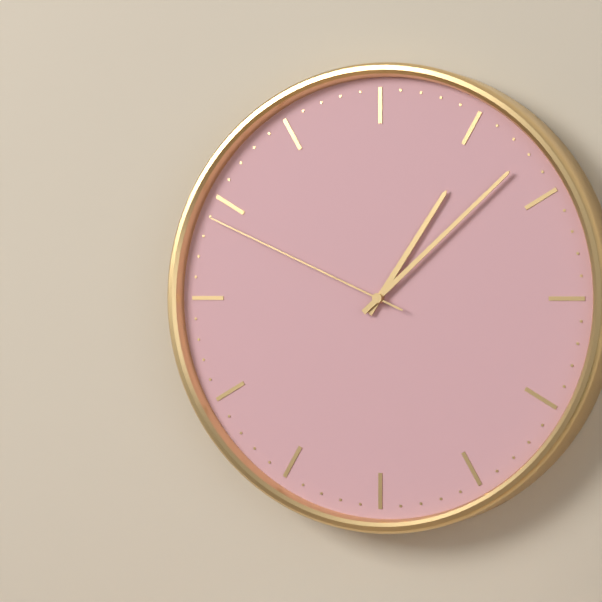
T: 1:08:49
